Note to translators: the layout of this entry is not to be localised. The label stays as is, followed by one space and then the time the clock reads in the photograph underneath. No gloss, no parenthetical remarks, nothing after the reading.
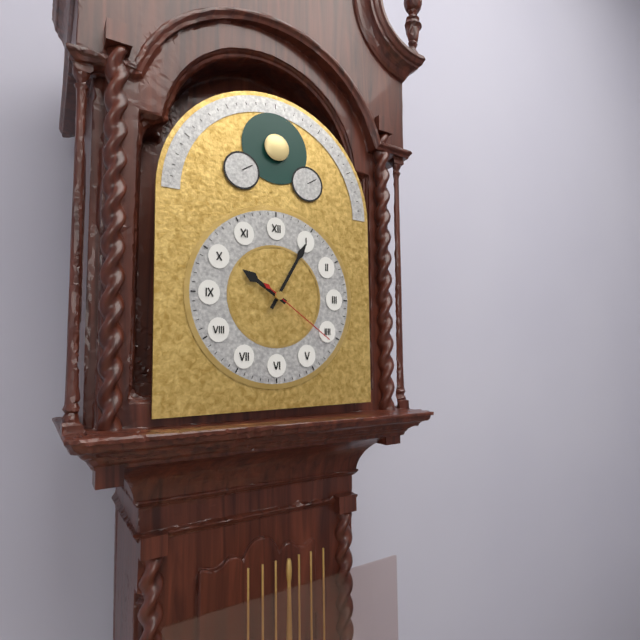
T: 10:05:21
